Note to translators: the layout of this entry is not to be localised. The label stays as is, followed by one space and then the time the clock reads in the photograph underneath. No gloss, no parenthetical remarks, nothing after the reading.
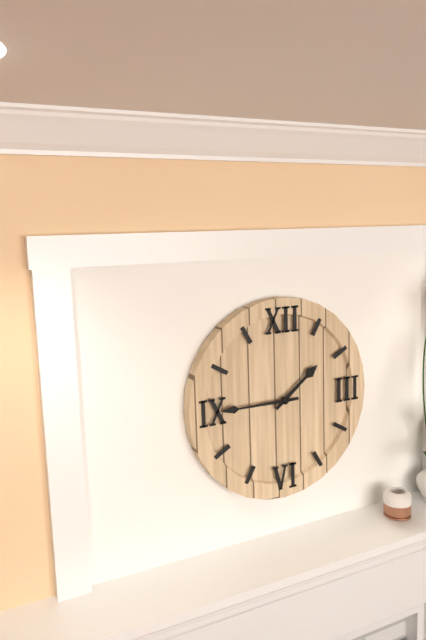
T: 1:45
